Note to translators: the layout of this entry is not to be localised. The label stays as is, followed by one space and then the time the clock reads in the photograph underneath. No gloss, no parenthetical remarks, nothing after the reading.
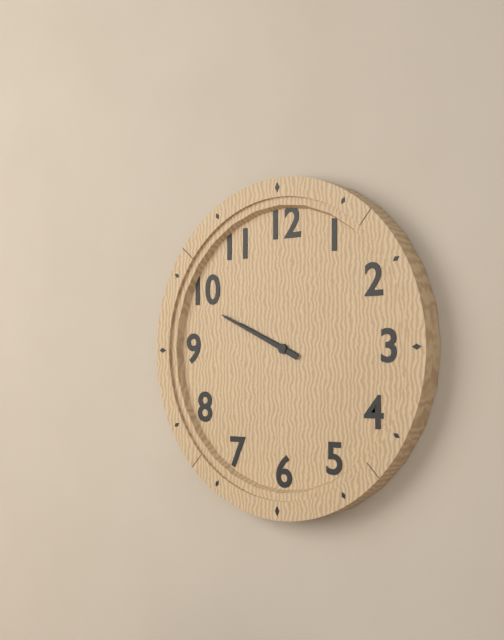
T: 9:49
